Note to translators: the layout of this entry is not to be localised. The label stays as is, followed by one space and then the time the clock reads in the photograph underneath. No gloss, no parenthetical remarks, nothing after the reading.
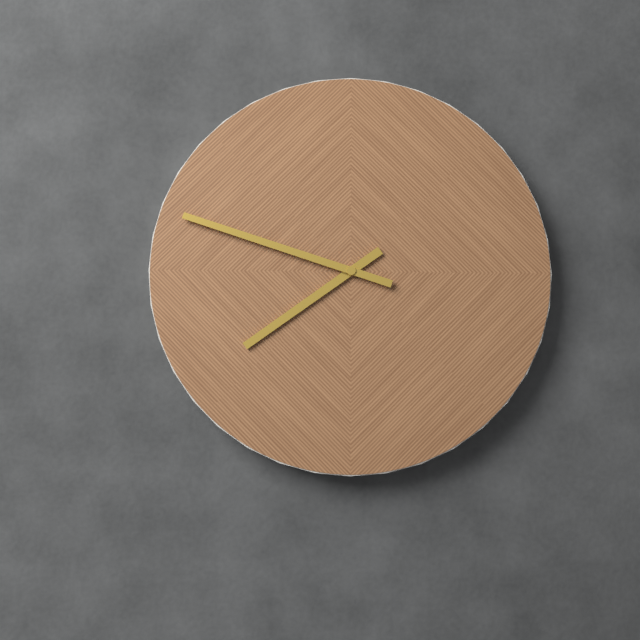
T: 7:48
